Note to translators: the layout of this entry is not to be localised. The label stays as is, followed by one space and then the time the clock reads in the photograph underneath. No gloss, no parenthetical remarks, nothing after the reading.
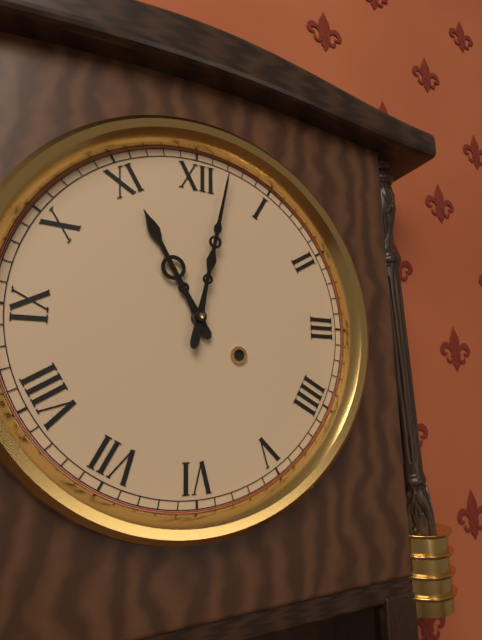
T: 11:02
